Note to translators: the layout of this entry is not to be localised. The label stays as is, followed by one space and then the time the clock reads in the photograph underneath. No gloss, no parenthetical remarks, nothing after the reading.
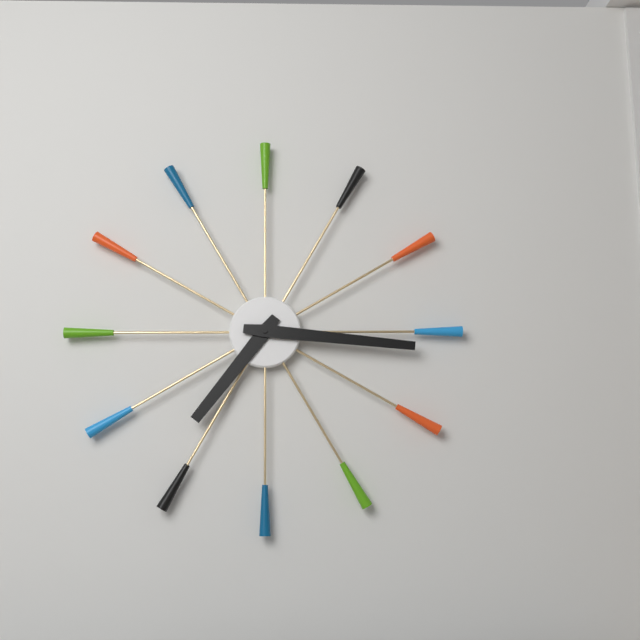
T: 7:16
